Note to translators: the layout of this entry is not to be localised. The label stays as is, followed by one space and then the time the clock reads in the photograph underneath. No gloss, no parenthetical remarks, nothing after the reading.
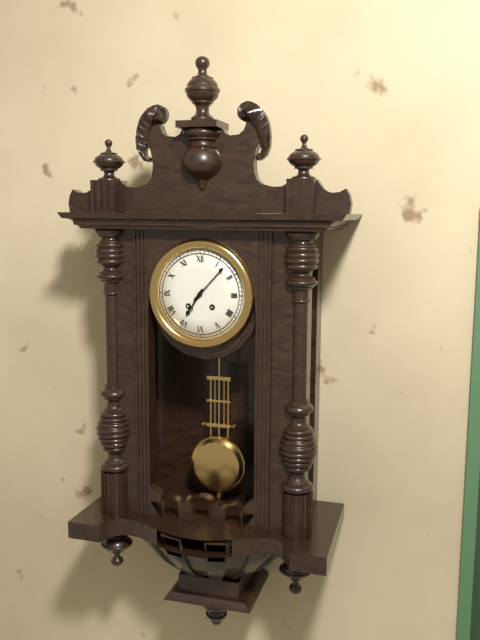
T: 7:07
